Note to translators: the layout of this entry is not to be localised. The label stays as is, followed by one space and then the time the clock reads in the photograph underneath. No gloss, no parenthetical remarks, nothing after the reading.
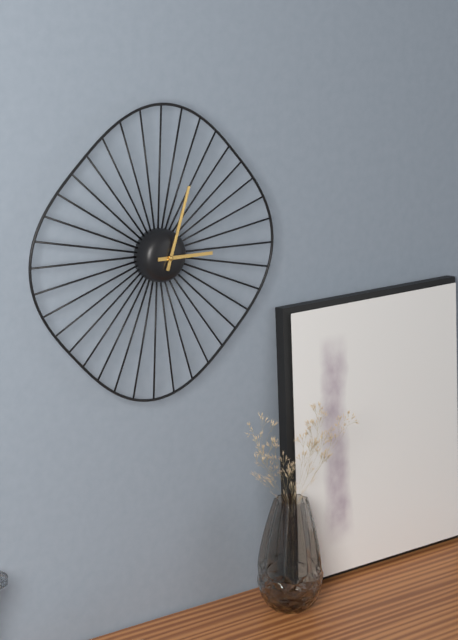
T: 3:03
